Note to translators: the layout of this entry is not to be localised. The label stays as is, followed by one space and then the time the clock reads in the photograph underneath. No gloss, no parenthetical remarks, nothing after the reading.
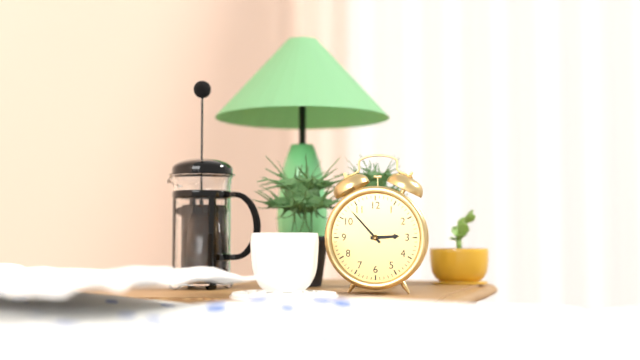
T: 2:53
